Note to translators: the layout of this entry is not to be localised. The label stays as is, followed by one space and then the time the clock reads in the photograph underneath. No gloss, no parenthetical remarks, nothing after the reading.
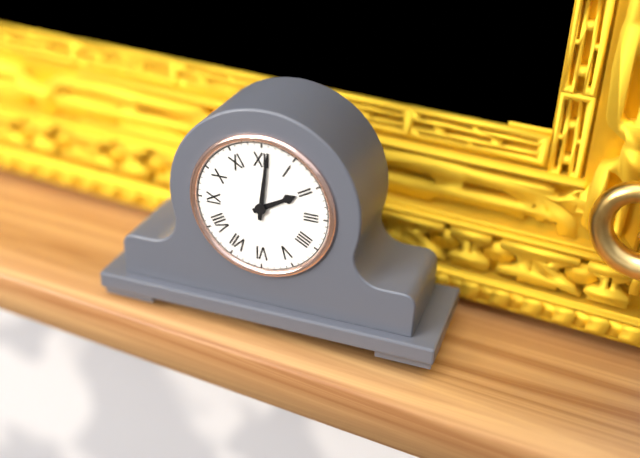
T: 2:01
